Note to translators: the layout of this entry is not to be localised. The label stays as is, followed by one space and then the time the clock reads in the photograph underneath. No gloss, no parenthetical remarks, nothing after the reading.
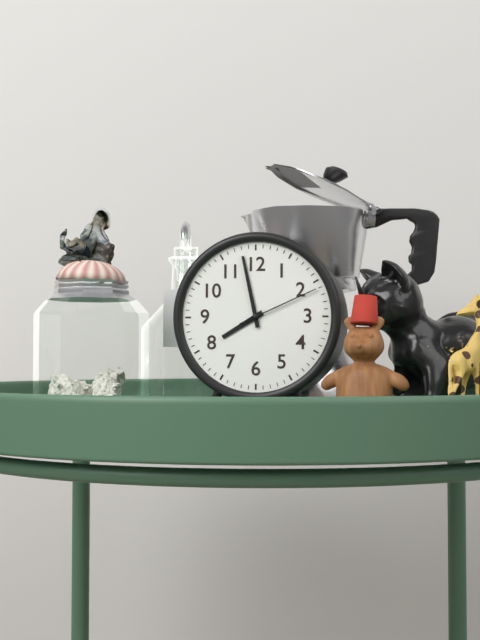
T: 7:58:11
